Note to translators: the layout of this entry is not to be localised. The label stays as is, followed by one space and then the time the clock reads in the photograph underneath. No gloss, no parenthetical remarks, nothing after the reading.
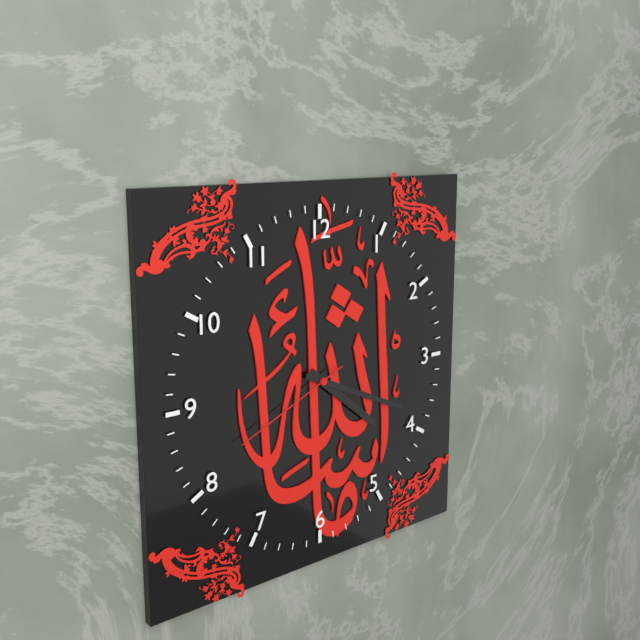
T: 4:19:41
